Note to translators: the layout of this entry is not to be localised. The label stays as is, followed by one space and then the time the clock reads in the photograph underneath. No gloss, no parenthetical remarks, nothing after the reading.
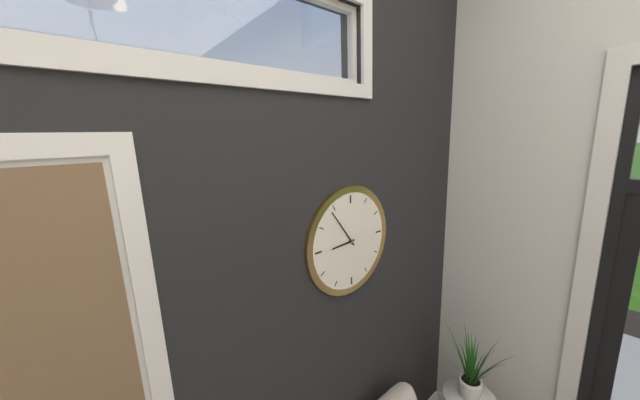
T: 8:54
